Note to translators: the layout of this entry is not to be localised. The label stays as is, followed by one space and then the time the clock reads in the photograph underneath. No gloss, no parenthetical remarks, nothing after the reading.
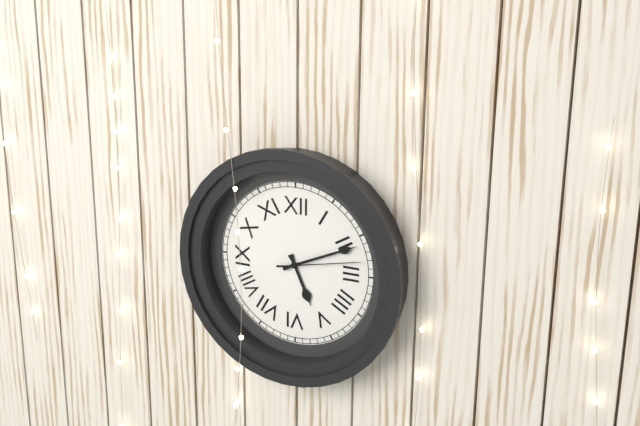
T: 5:11:13
